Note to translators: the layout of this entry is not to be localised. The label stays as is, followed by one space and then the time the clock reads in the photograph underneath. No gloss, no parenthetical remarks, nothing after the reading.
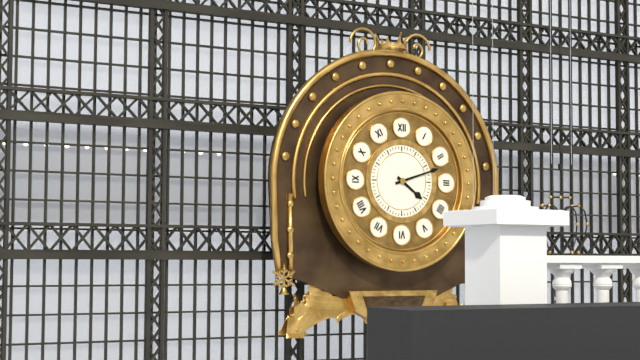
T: 4:12
